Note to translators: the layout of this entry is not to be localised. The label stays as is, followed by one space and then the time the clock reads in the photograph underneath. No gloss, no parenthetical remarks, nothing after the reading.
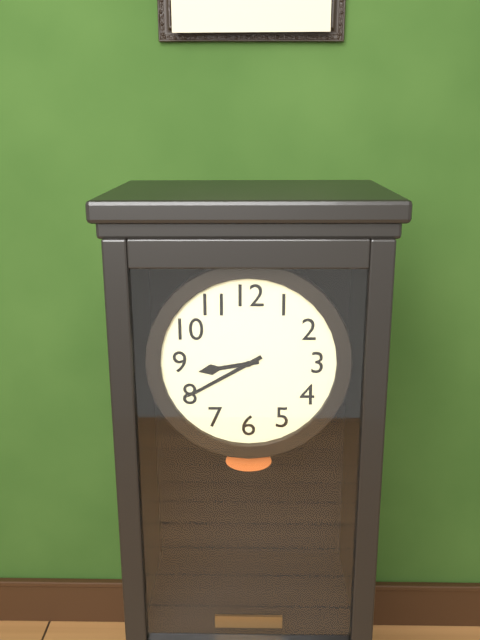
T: 8:40
